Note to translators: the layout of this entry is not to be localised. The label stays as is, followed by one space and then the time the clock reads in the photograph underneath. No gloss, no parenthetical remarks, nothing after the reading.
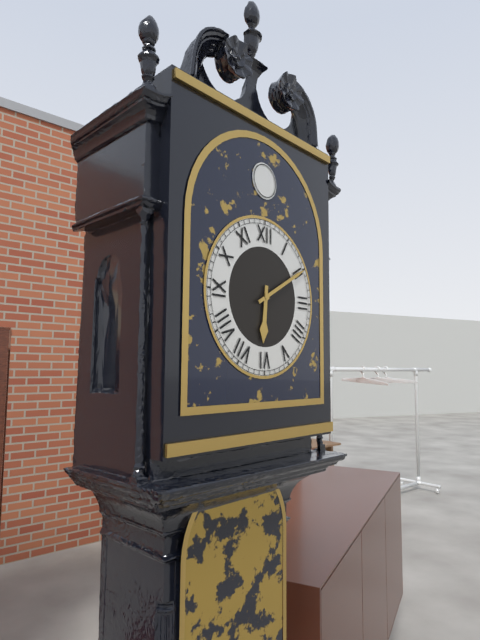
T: 6:10
